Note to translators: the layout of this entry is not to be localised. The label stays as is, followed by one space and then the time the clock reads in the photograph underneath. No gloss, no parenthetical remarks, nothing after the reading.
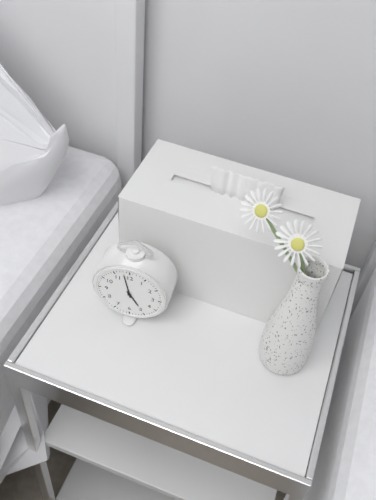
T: 4:58
